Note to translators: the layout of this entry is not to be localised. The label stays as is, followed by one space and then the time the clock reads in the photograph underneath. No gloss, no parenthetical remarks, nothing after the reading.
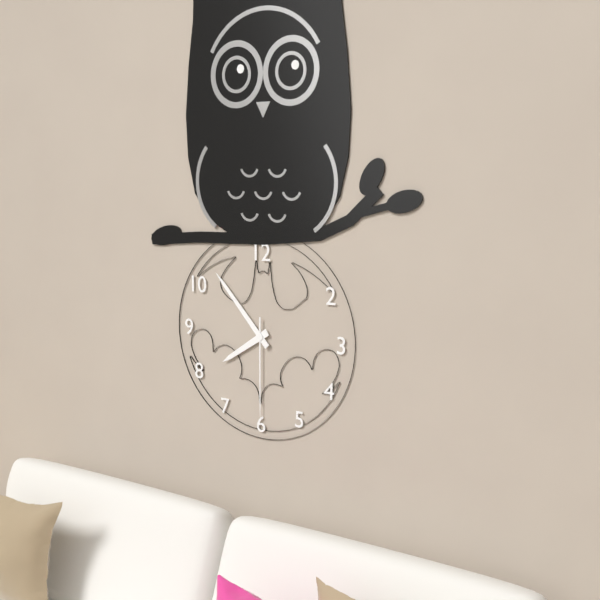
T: 7:53:30
